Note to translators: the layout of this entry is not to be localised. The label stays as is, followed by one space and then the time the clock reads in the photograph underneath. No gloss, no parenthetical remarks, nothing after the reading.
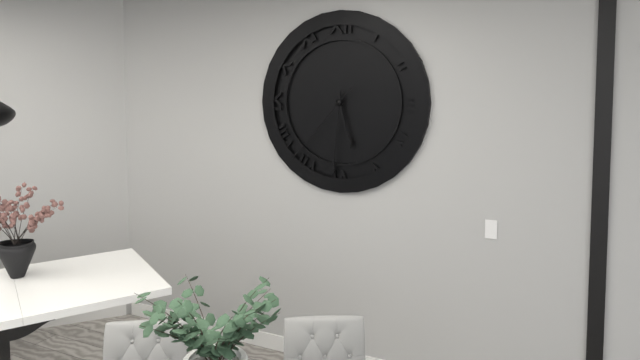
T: 5:31:37
